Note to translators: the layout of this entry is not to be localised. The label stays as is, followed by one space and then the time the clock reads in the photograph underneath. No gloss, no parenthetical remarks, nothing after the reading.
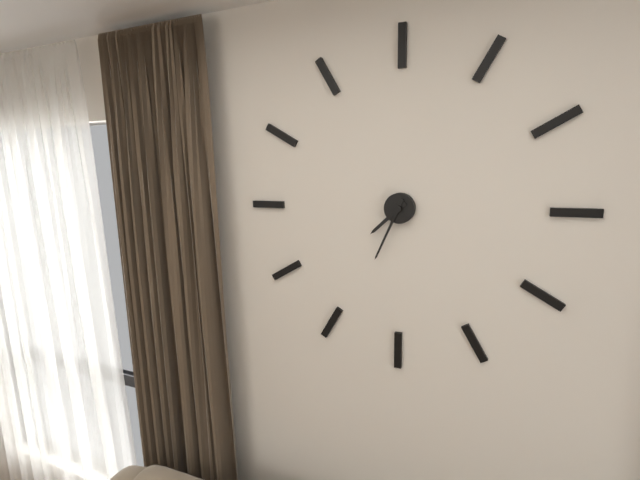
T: 7:34
